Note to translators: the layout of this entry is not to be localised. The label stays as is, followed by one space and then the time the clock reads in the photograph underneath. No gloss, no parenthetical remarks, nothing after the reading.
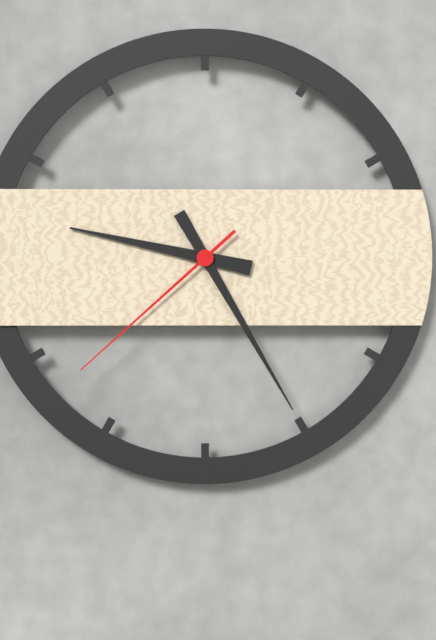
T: 9:25:38
